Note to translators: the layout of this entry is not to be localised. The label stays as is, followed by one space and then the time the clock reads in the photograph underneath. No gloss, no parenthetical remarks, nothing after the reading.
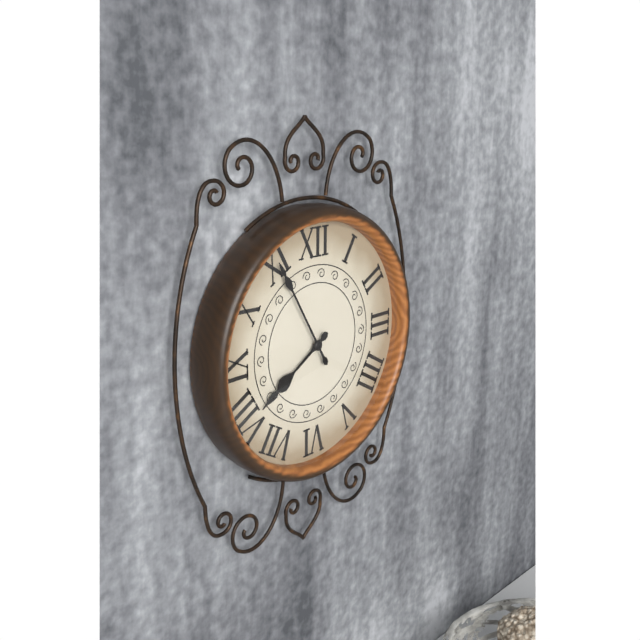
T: 7:55
